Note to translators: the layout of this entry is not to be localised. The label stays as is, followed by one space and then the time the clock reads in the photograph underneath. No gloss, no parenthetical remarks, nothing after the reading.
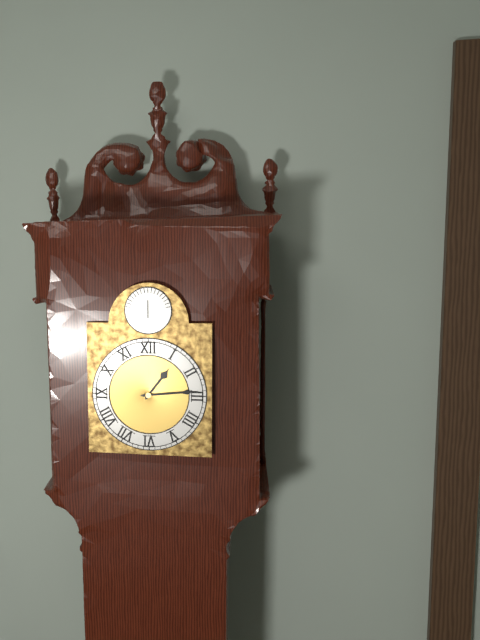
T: 1:14
